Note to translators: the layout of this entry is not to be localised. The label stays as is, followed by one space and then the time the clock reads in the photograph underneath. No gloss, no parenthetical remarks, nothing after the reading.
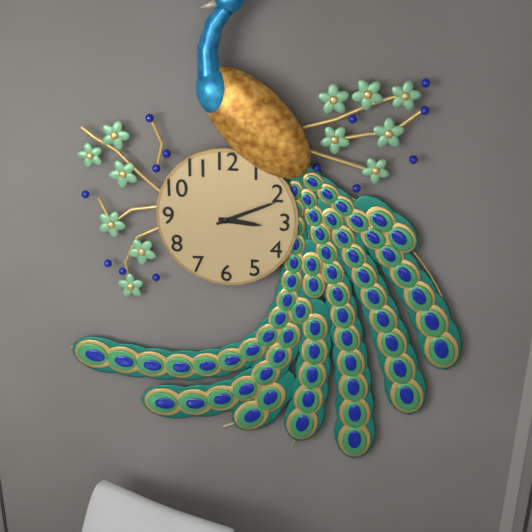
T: 3:11
